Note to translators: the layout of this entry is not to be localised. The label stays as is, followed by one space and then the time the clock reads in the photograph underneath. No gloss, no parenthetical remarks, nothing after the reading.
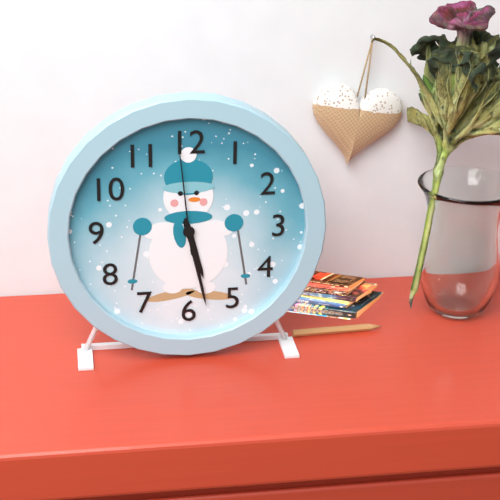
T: 5:28:59
